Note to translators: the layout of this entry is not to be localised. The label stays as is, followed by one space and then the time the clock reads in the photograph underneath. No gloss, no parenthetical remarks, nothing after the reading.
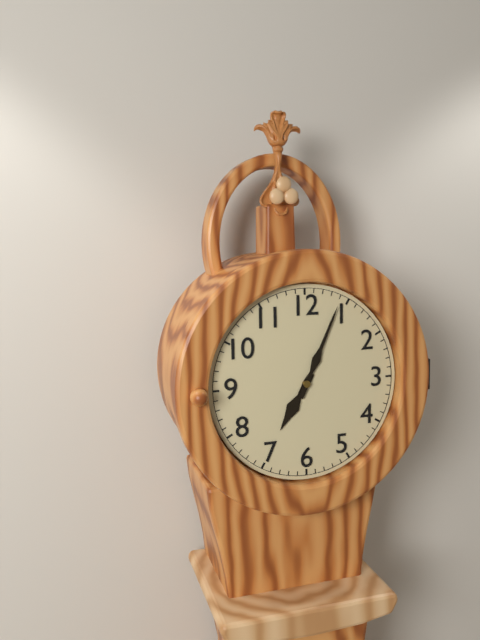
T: 7:04
